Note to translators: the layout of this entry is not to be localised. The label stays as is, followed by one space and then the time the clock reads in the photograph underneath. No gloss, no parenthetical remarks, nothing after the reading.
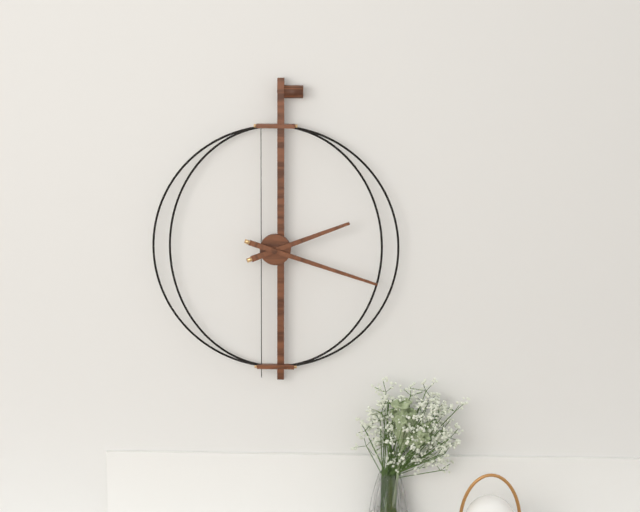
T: 2:18
